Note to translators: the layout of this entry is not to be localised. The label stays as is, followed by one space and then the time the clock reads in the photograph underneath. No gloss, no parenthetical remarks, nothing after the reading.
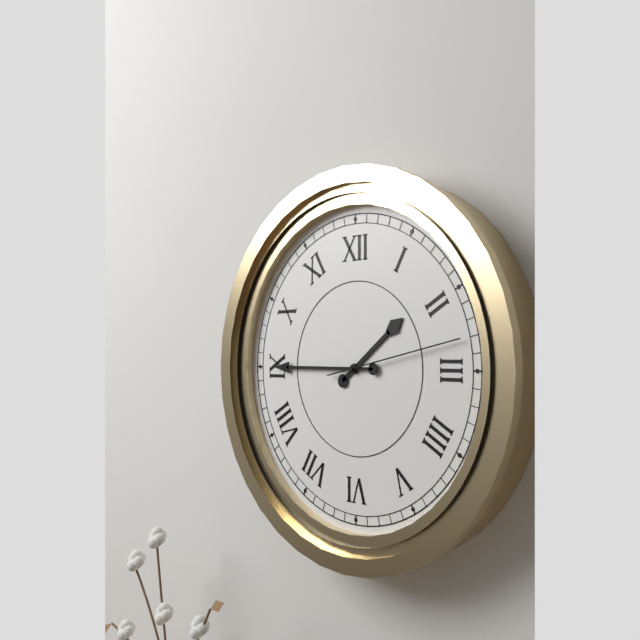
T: 1:45:13
